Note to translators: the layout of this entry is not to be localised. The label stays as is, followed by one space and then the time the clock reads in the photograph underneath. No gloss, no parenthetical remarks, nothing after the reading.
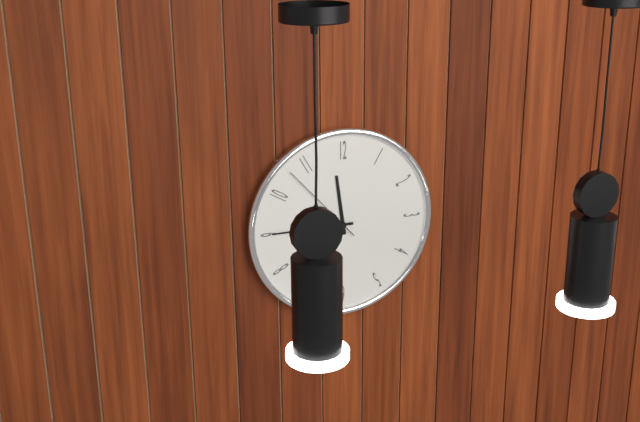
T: 11:45:53
